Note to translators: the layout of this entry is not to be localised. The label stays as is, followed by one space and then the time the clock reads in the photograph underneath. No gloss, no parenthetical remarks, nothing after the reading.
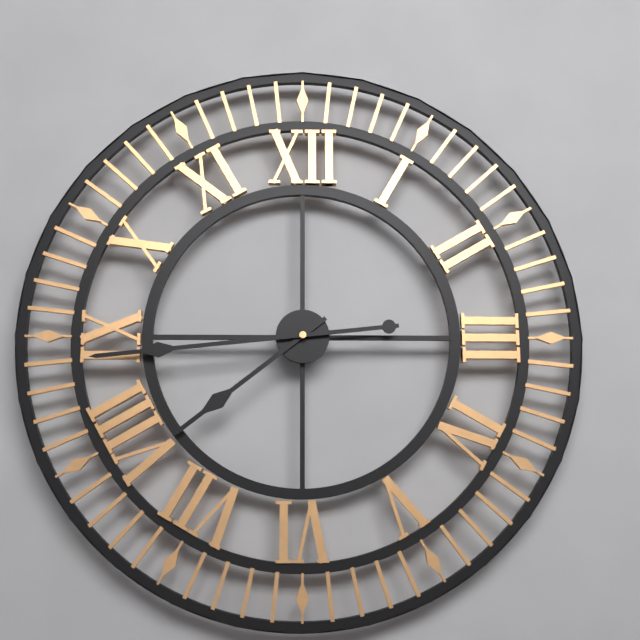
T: 7:44
